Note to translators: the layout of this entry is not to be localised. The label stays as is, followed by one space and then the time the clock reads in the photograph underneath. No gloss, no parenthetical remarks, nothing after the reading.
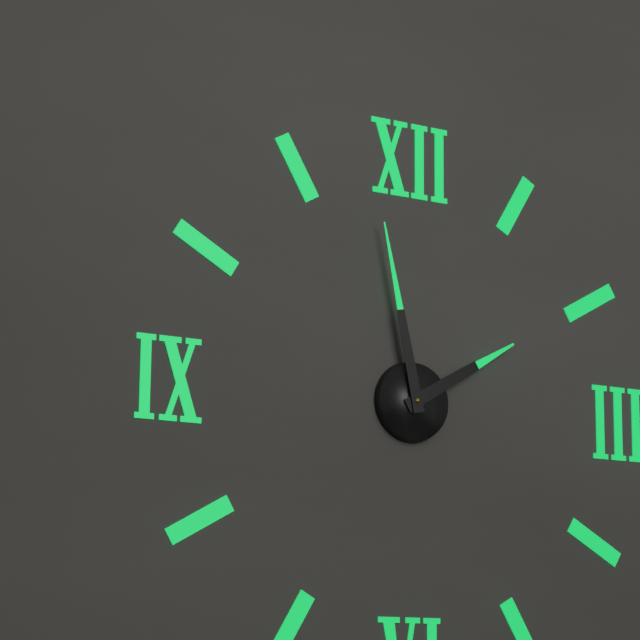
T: 1:58
